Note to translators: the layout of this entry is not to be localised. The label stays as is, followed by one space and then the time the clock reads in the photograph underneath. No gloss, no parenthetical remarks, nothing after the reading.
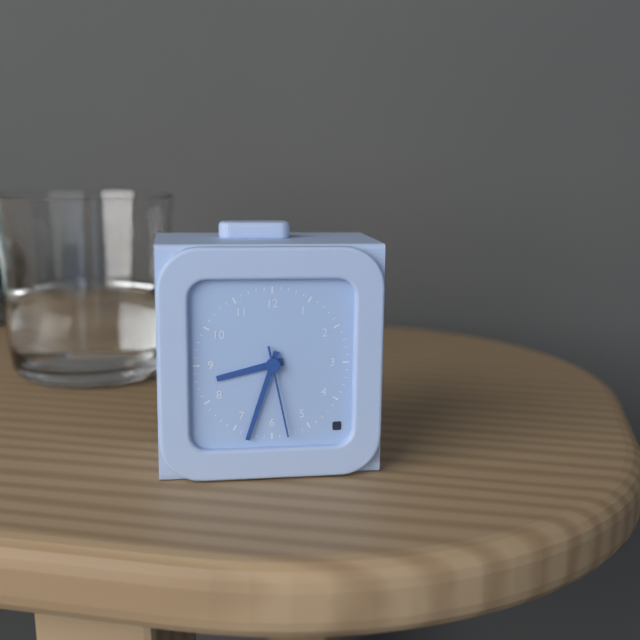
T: 8:33:28
